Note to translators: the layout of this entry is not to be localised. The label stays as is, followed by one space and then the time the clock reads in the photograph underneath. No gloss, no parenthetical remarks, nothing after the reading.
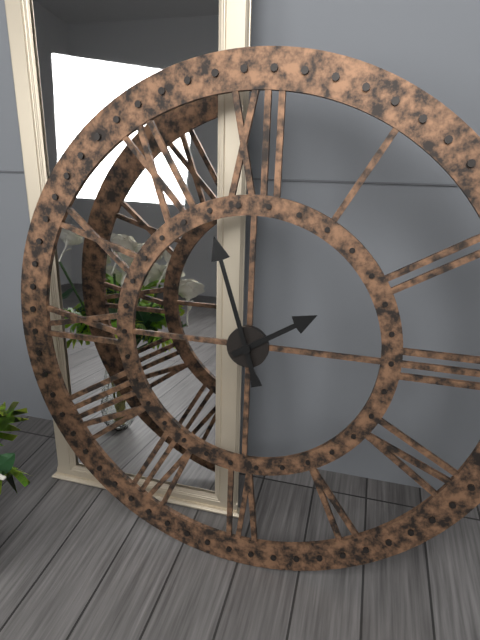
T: 1:57
